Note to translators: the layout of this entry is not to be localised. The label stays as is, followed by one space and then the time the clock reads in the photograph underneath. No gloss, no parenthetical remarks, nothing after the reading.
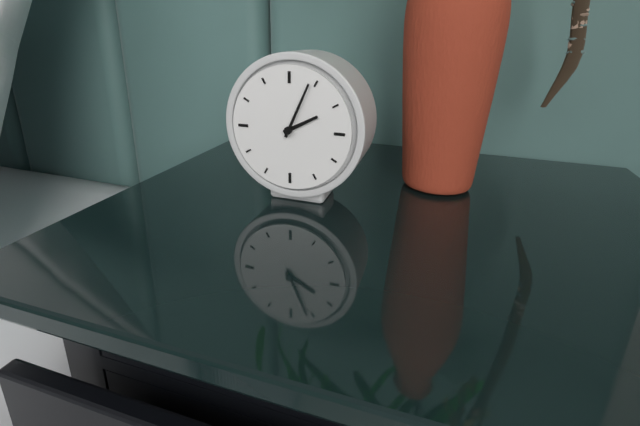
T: 2:04
